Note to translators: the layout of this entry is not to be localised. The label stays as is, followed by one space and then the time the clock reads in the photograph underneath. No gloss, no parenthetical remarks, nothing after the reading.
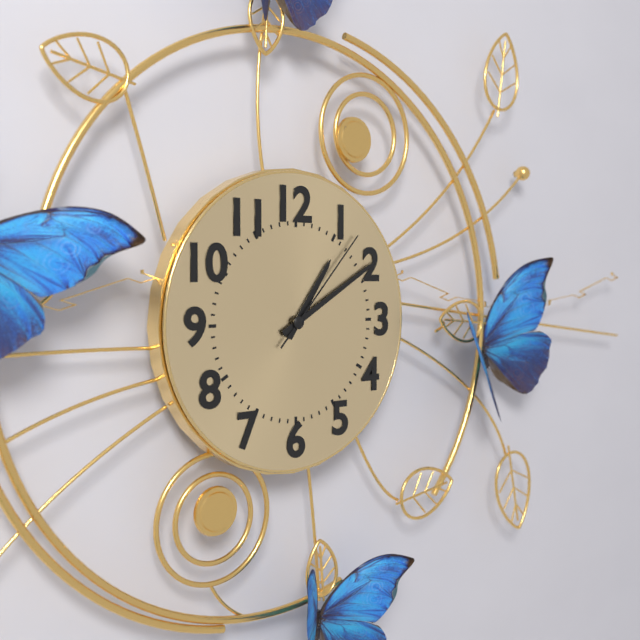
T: 1:10:07
